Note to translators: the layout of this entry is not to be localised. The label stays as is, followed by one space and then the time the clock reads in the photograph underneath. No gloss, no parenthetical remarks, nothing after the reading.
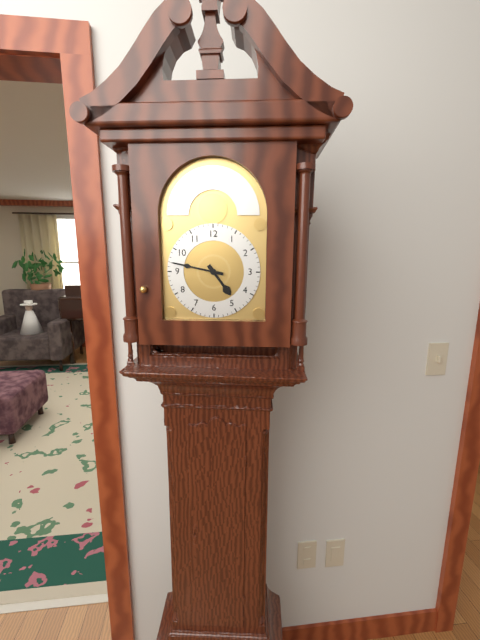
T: 4:47
